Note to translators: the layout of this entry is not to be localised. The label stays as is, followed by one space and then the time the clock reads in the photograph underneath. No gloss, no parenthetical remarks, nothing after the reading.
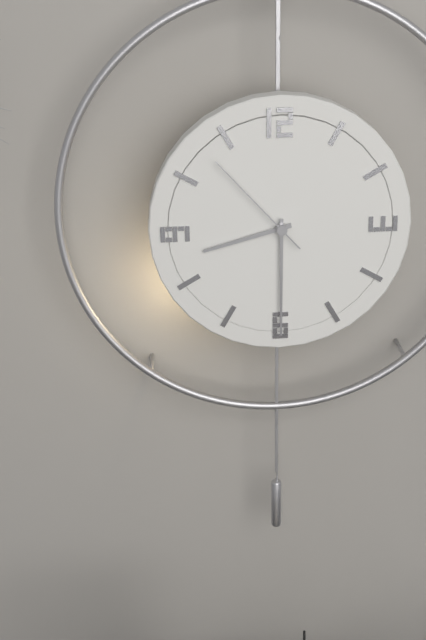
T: 8:30:53
